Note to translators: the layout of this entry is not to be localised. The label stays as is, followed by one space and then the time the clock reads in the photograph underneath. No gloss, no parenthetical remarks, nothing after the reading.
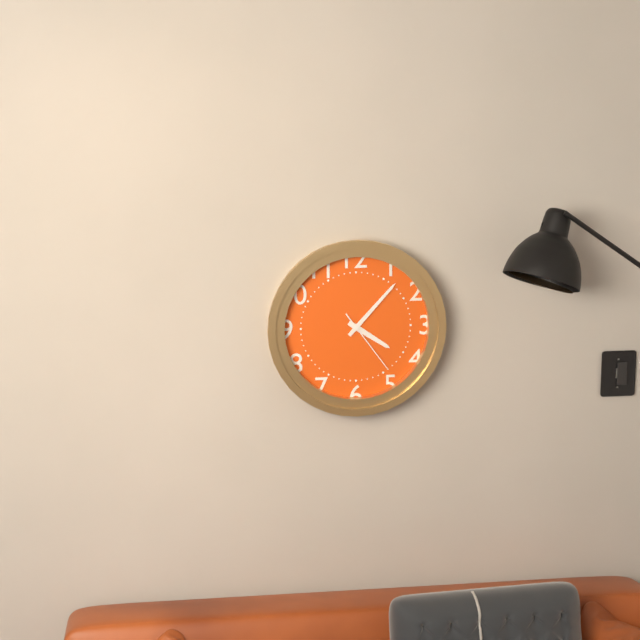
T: 4:07:24
